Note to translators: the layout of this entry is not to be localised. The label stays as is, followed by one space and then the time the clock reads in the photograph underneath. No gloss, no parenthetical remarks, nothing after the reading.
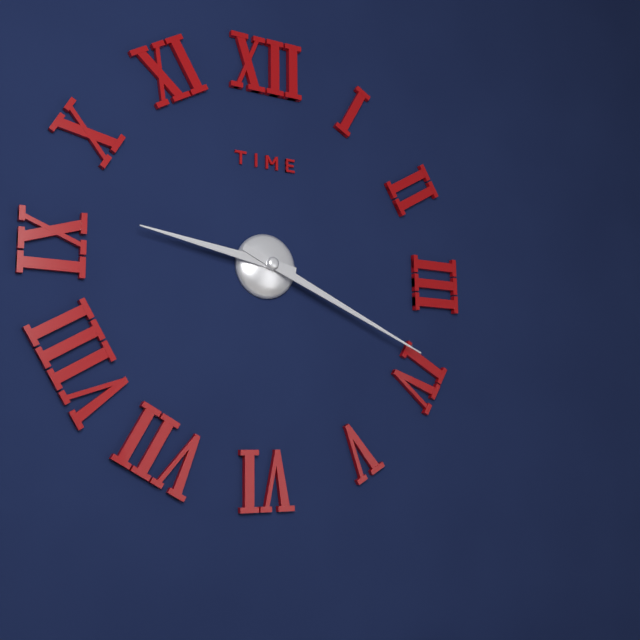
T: 9:19
